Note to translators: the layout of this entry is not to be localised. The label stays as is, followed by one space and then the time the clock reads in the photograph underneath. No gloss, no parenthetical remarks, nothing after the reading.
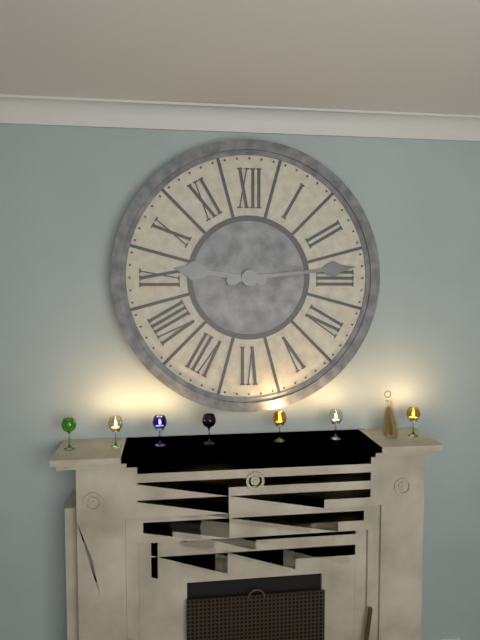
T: 9:14
